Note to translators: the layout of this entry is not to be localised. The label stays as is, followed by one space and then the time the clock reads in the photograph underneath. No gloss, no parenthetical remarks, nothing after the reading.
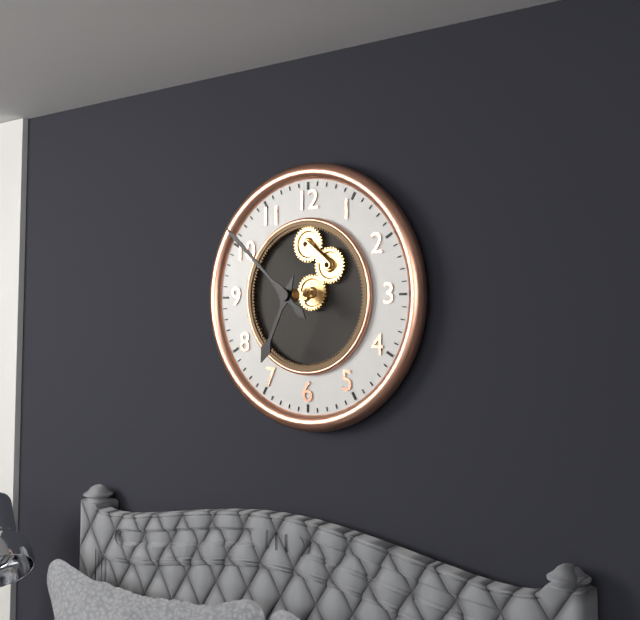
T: 6:52
